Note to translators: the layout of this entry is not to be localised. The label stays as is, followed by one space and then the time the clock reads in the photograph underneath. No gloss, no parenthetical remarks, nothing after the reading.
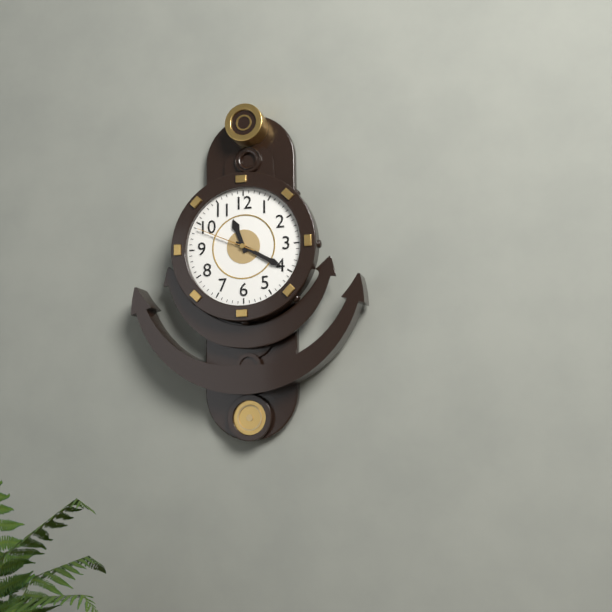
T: 11:20:49
